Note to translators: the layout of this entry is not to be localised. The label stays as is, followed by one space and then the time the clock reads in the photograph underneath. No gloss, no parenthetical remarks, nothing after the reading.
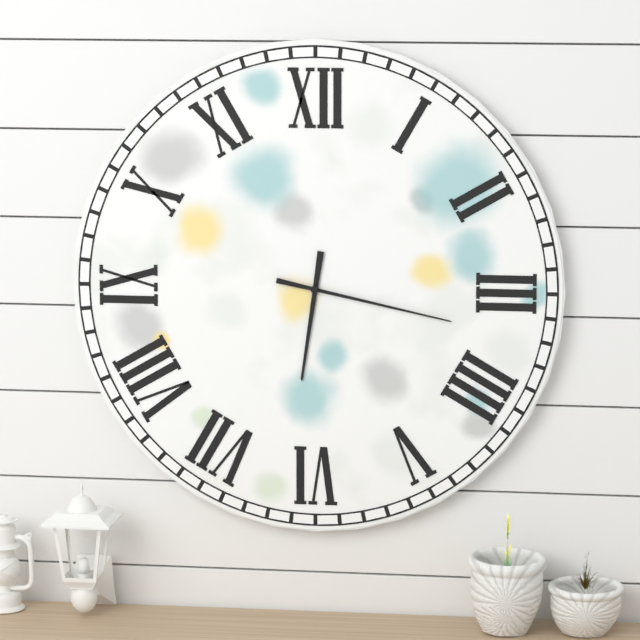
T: 6:17
